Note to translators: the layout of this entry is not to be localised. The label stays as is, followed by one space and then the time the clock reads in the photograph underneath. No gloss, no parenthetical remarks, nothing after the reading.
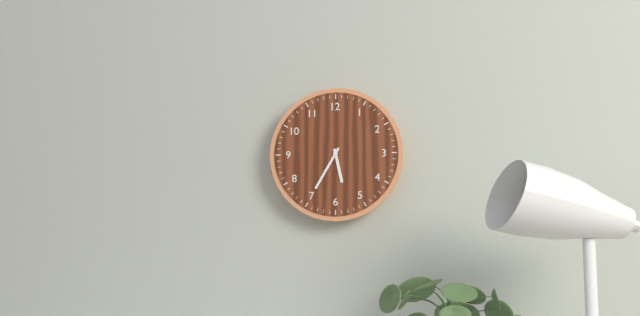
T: 5:35
